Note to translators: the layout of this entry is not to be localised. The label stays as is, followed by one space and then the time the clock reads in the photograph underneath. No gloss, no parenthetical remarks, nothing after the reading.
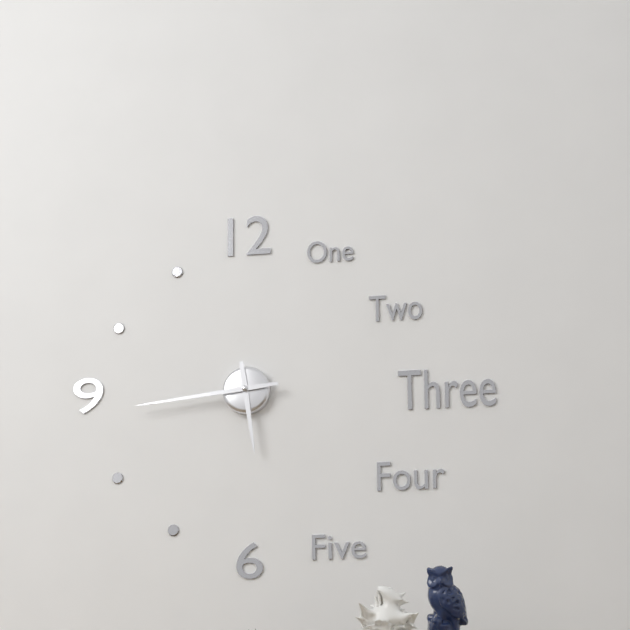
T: 5:44
